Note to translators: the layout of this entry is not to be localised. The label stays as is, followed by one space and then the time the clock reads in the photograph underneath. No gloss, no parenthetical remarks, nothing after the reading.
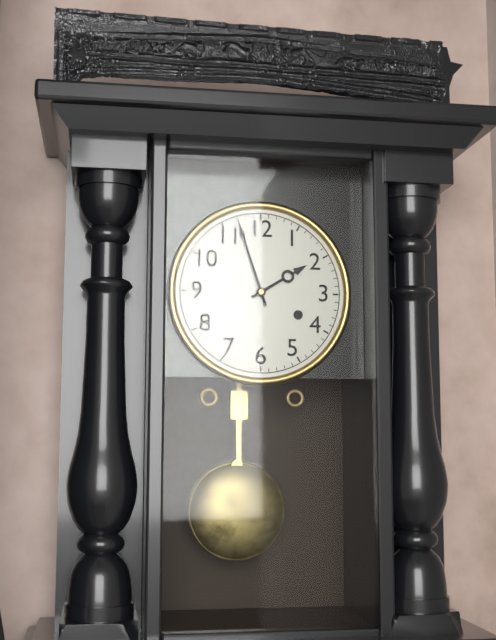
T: 1:57
